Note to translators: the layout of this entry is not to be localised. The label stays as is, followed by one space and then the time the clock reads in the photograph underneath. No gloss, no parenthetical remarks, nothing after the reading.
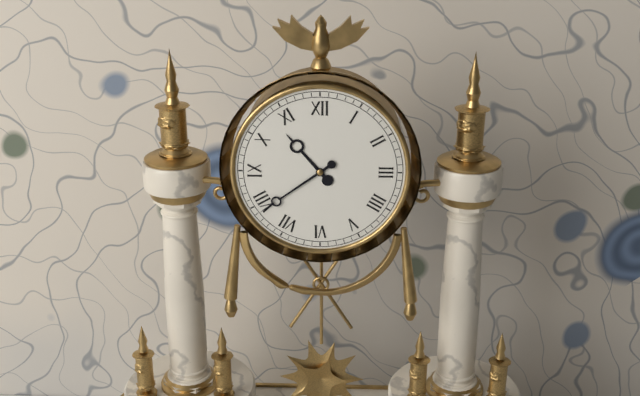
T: 10:39
